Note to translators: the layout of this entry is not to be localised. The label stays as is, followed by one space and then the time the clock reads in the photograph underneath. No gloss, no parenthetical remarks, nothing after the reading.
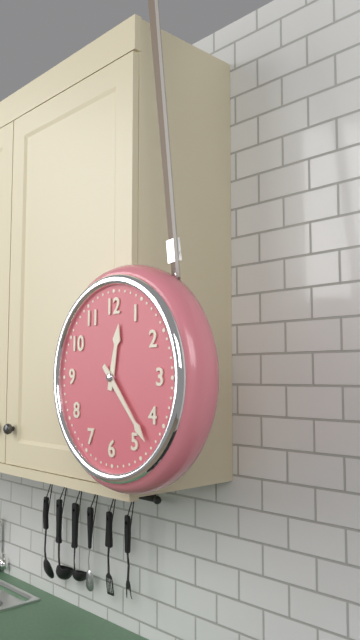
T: 12:23
